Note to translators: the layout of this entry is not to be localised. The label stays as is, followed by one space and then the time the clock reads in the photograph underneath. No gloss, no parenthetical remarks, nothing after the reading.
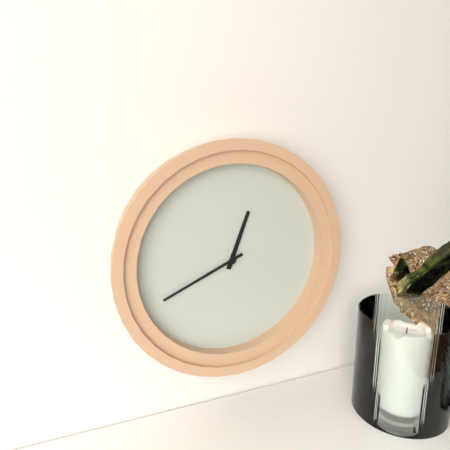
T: 12:41
